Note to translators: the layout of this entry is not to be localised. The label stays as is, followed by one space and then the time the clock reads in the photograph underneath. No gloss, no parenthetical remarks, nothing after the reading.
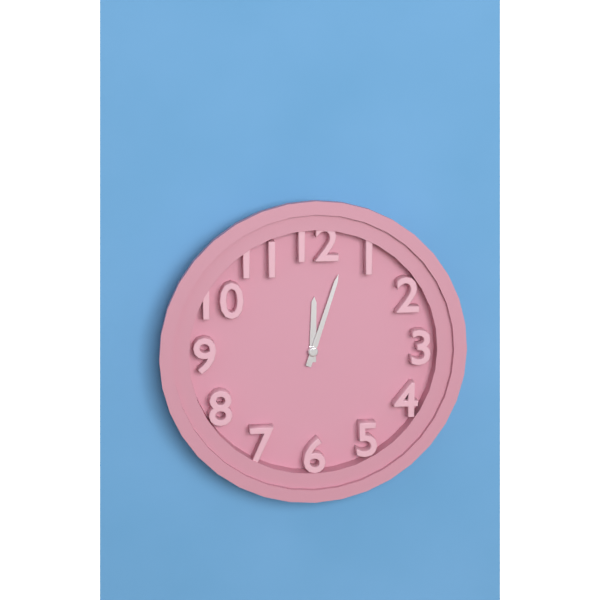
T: 12:03
